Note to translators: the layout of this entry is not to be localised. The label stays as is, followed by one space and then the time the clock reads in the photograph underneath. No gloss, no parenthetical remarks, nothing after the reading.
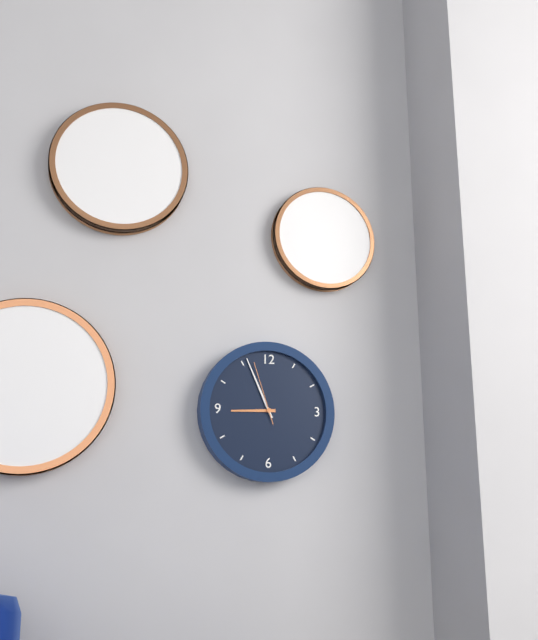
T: 8:56:57
